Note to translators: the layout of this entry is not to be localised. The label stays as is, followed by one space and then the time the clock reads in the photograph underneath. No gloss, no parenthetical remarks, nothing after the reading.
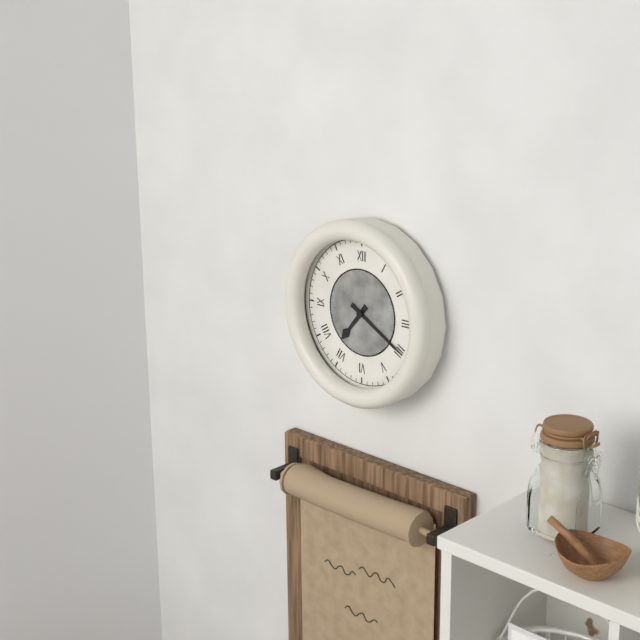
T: 7:20
